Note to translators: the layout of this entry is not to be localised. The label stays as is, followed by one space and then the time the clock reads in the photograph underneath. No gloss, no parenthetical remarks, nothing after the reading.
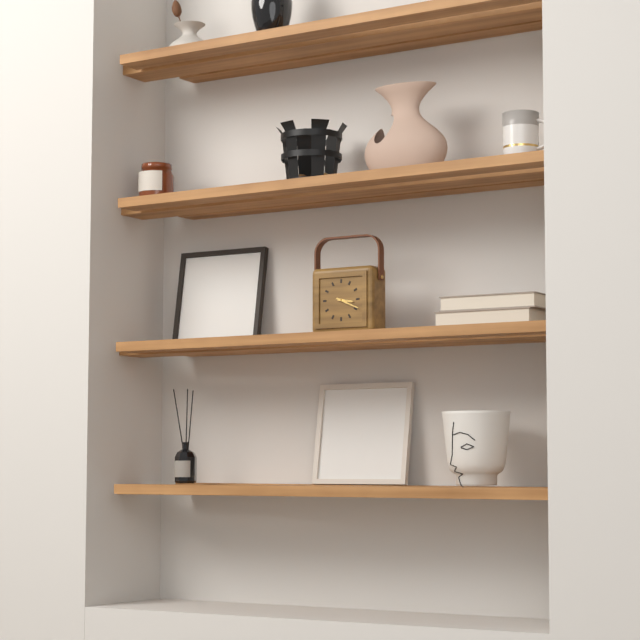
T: 3:19
